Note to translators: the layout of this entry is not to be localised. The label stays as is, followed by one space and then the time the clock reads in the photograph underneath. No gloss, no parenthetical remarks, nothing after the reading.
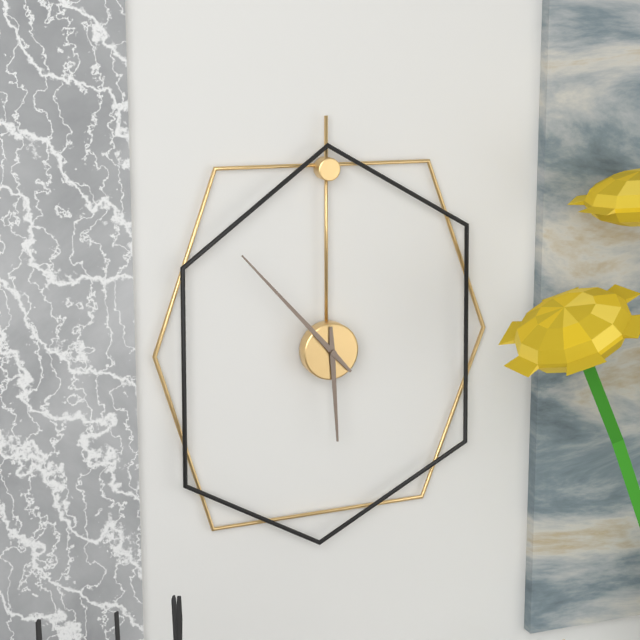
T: 5:53
